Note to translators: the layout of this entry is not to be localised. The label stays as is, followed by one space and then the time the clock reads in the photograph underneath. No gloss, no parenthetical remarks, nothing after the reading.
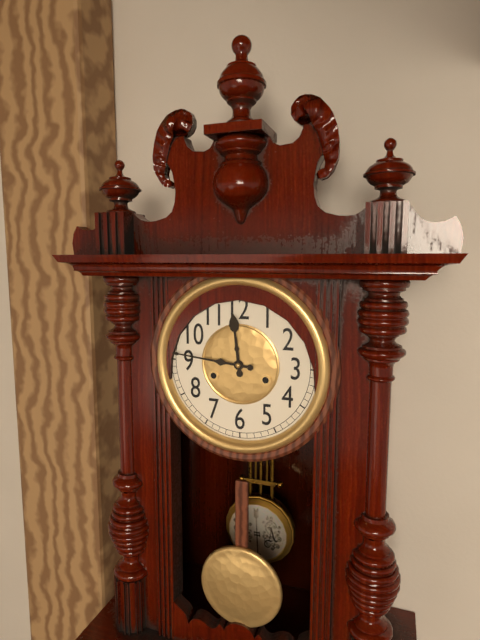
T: 11:46
